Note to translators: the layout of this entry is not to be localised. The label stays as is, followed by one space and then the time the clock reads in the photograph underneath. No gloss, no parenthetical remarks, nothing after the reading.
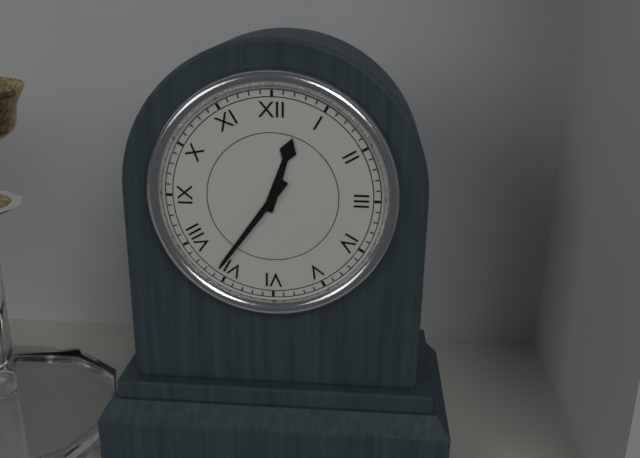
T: 12:36
